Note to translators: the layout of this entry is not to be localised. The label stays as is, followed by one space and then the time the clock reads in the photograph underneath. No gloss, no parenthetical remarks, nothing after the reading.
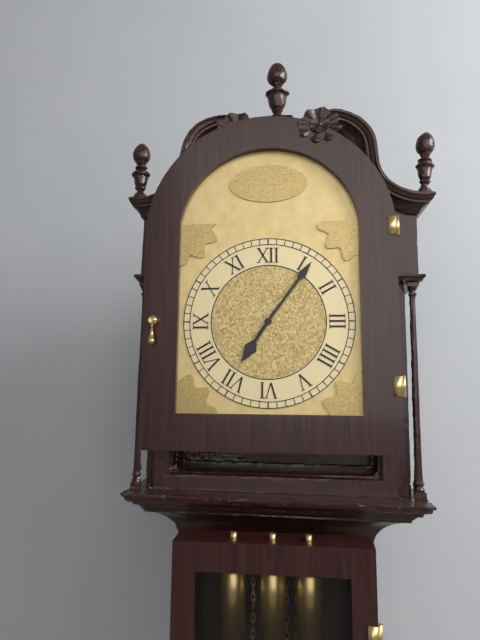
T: 7:06
